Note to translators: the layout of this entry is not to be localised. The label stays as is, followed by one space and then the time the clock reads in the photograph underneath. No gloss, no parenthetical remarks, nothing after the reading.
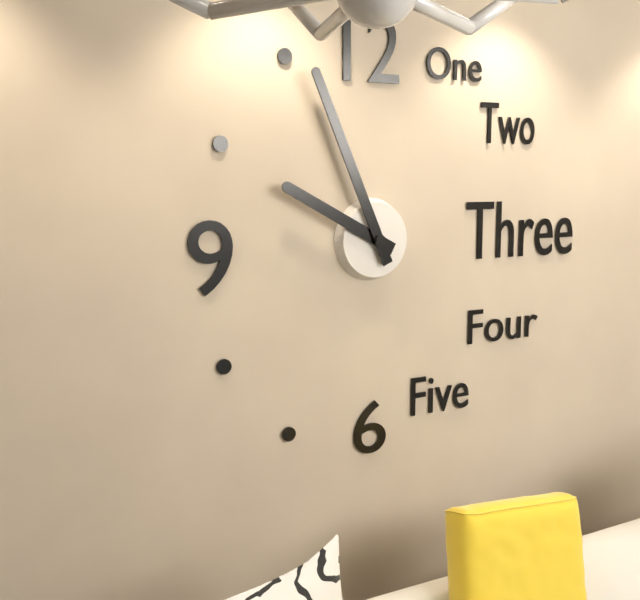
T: 9:56
